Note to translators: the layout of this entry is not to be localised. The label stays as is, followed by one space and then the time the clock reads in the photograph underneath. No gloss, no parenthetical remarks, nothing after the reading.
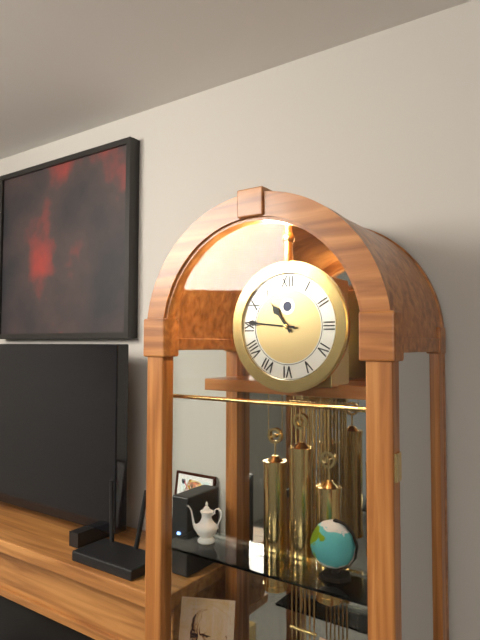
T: 10:46
